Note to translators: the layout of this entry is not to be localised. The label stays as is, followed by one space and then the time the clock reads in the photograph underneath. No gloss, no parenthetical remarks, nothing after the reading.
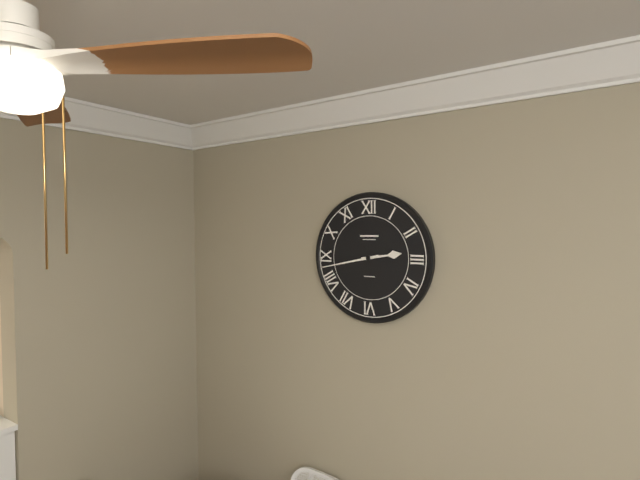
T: 2:43
